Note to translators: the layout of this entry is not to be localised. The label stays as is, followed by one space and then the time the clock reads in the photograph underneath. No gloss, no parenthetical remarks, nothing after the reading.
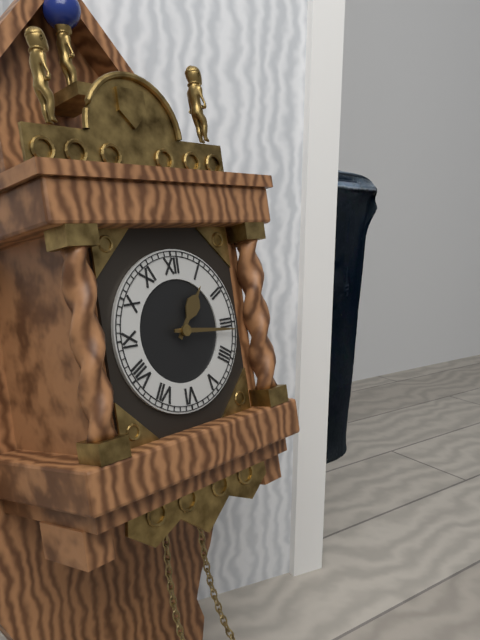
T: 1:16
